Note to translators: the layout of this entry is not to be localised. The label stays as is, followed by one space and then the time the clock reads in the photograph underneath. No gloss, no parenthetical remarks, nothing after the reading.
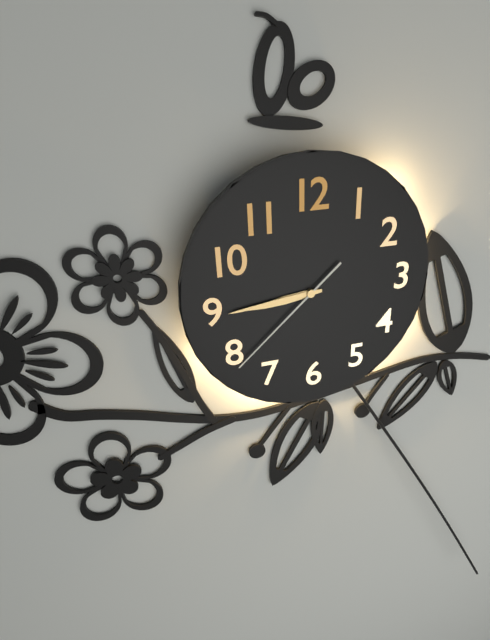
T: 8:44:38
